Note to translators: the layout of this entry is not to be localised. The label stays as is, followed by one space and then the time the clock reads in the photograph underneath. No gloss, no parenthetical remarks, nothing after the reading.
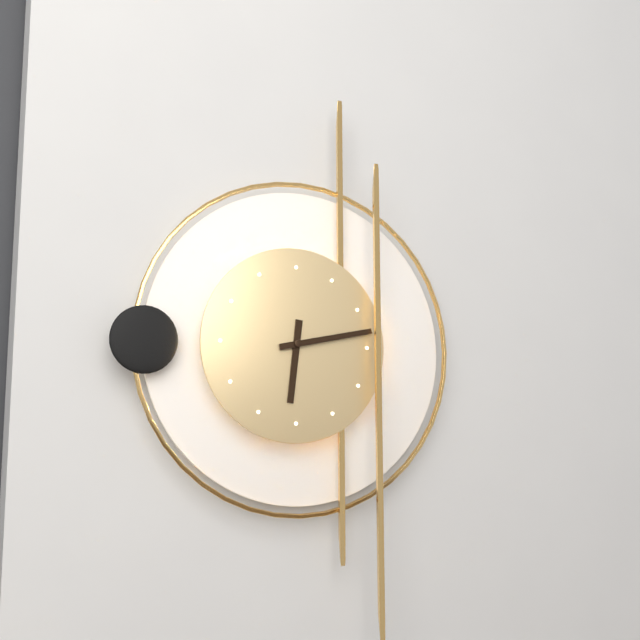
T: 6:13
